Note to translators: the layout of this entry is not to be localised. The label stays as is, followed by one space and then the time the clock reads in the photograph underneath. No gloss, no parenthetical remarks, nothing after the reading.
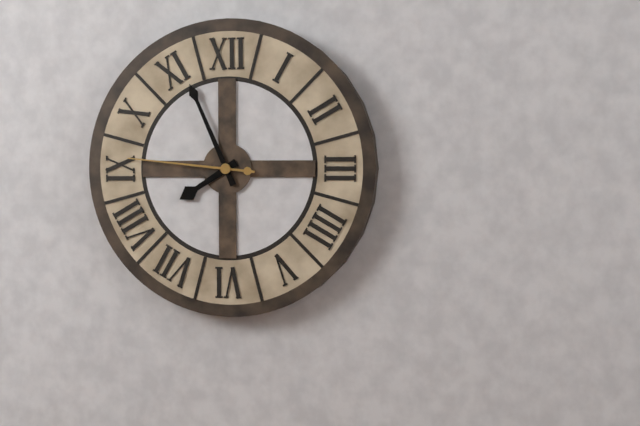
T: 7:56:46
